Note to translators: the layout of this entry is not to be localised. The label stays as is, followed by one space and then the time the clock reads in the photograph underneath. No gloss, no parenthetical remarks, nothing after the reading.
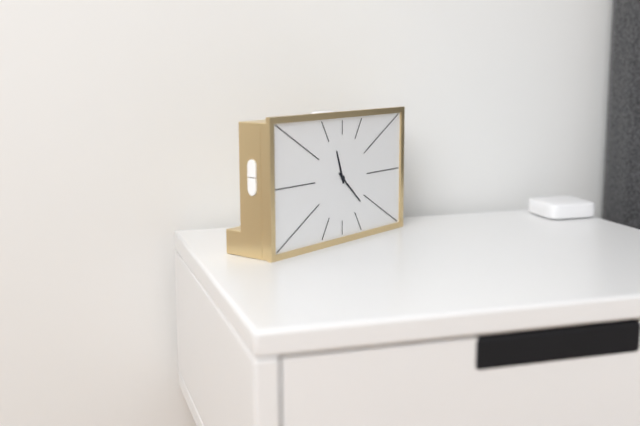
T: 11:22
